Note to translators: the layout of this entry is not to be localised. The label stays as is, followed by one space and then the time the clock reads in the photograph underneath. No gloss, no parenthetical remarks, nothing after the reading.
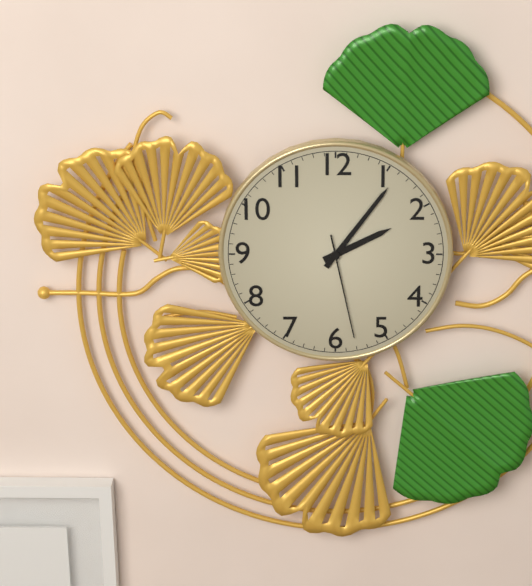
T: 2:06:28
